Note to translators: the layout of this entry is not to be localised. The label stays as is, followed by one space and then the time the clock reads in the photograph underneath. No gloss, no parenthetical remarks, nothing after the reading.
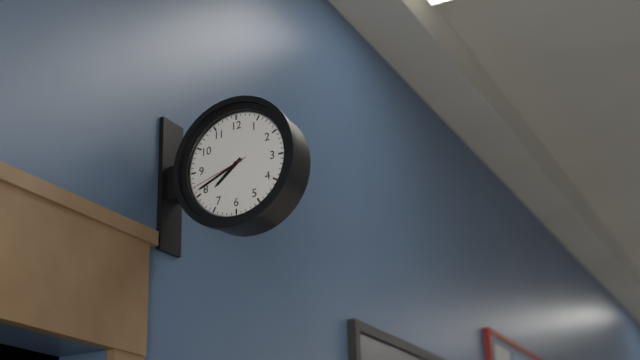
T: 7:41:42
